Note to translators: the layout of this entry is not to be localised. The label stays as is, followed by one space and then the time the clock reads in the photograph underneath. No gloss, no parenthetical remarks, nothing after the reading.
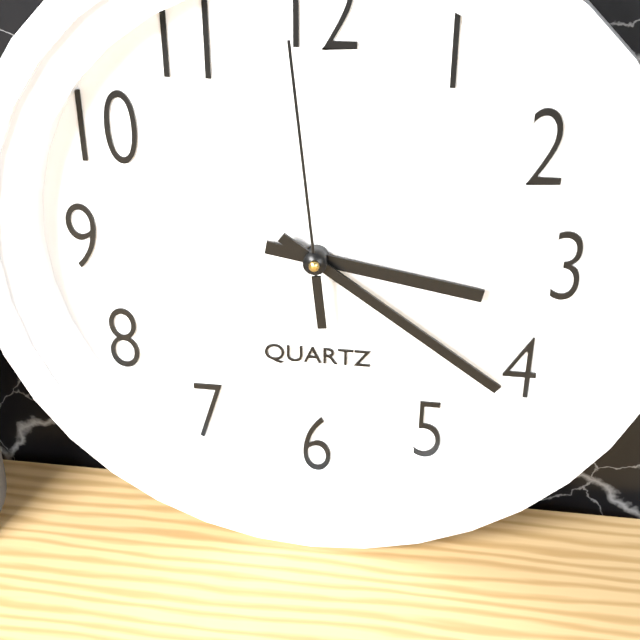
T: 3:21:59
